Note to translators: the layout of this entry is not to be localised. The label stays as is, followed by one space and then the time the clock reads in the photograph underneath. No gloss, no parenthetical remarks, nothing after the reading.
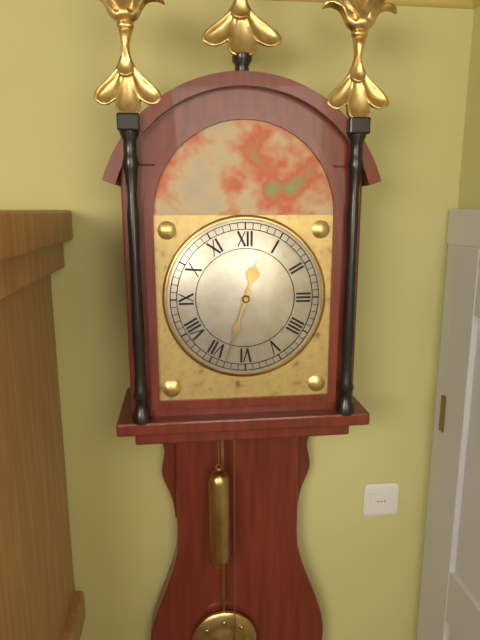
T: 12:33
